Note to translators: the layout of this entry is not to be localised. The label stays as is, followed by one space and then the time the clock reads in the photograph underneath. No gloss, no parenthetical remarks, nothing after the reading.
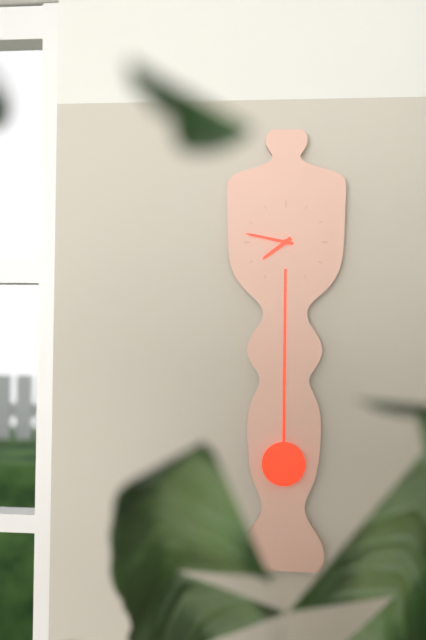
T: 7:47
